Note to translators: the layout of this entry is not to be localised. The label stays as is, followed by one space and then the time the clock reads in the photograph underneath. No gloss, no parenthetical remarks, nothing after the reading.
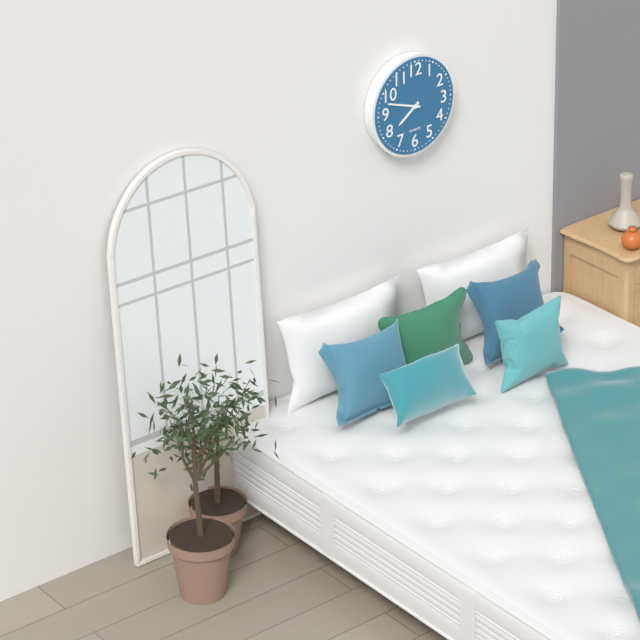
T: 7:48
